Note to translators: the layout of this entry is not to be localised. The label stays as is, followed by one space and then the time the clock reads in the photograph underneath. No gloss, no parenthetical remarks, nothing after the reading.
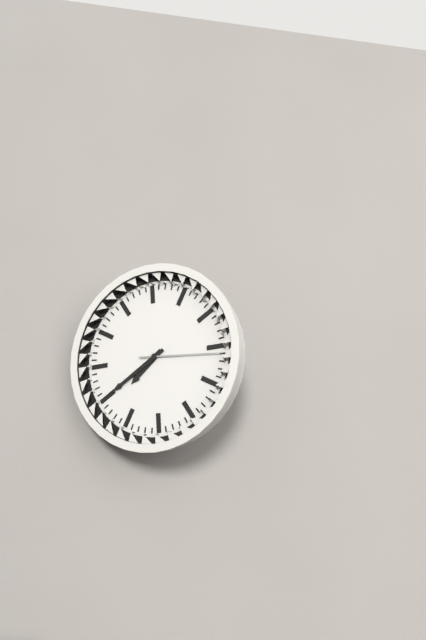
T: 7:40:16
